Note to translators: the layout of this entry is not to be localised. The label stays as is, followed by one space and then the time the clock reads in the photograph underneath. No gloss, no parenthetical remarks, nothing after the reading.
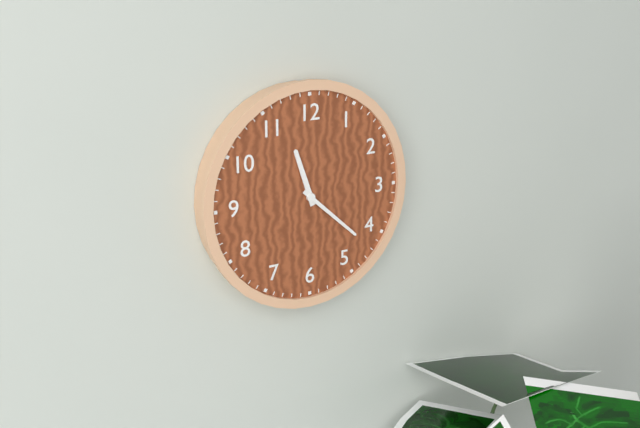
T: 11:22
